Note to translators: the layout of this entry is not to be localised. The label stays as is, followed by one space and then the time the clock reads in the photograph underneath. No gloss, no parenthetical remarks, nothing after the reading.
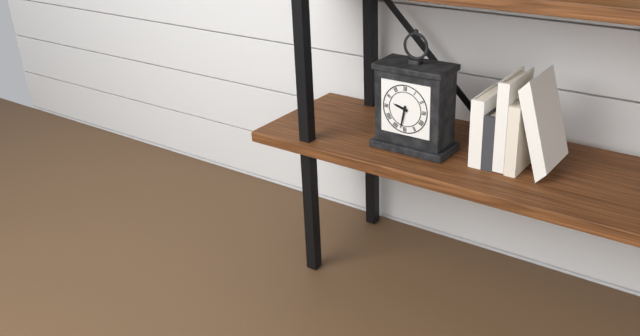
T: 9:32
